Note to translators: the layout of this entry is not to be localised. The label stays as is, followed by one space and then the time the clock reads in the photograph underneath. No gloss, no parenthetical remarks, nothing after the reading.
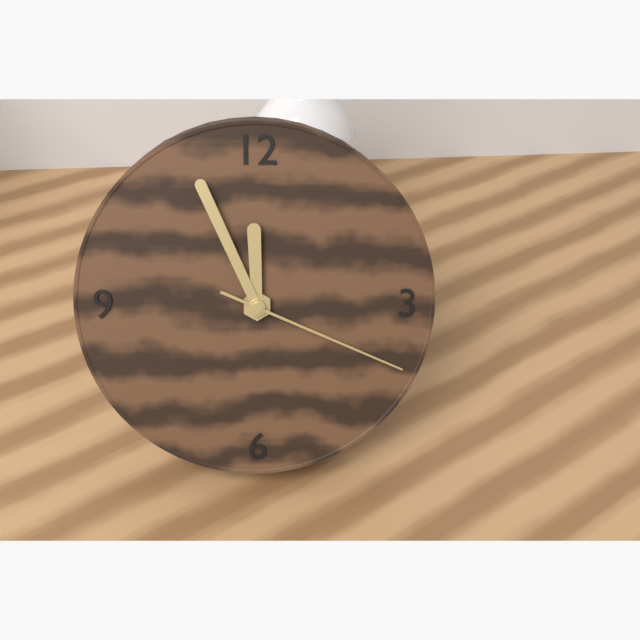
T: 11:56:19
